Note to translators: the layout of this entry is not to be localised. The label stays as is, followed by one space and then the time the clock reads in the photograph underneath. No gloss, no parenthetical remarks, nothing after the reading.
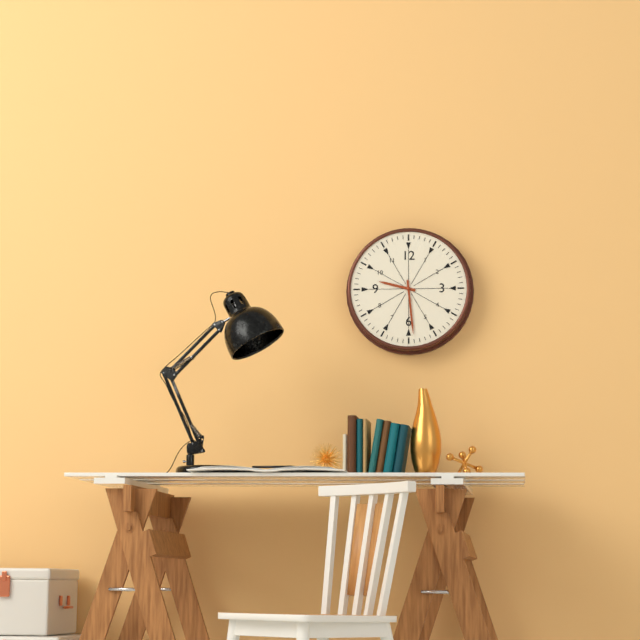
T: 9:29
